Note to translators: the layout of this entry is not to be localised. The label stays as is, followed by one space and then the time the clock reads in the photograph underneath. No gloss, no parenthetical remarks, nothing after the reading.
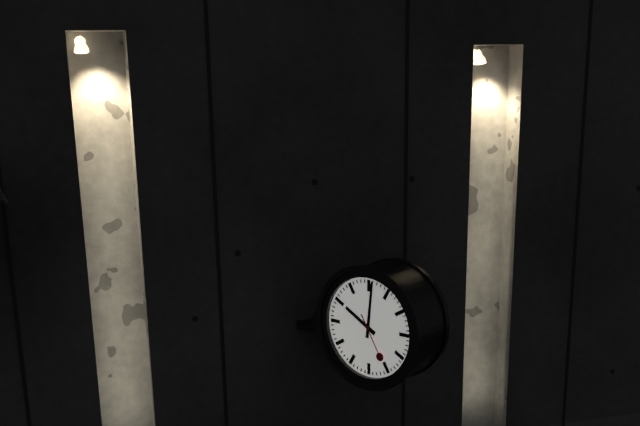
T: 10:01
